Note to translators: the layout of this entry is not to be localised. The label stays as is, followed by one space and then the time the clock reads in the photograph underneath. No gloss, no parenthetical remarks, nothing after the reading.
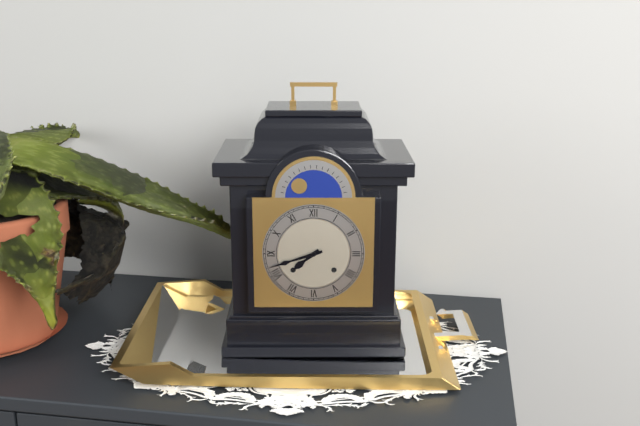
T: 7:42
